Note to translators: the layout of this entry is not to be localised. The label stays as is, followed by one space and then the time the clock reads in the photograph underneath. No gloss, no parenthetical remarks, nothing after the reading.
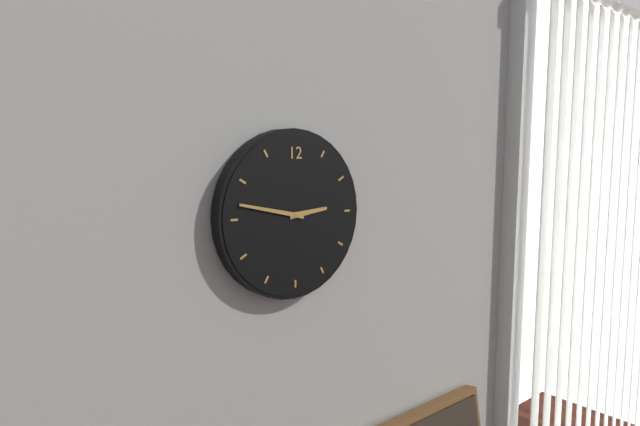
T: 2:47
